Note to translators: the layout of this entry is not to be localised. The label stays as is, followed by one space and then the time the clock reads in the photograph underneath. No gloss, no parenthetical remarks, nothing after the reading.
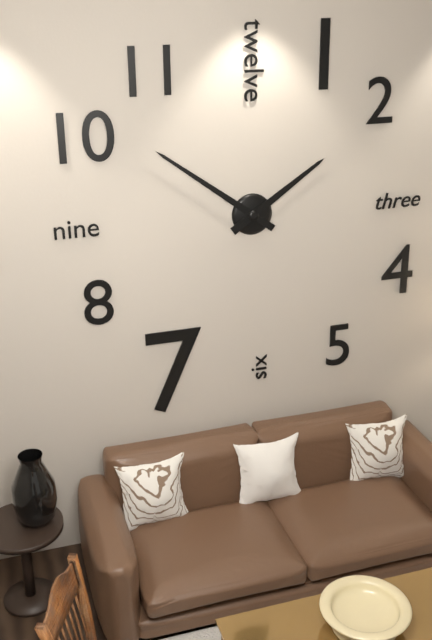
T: 1:51
